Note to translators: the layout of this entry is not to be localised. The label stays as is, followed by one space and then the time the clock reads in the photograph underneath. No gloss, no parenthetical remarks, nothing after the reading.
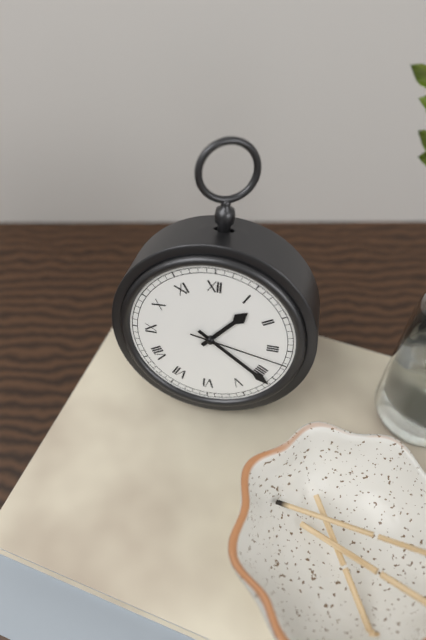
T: 1:21:17
